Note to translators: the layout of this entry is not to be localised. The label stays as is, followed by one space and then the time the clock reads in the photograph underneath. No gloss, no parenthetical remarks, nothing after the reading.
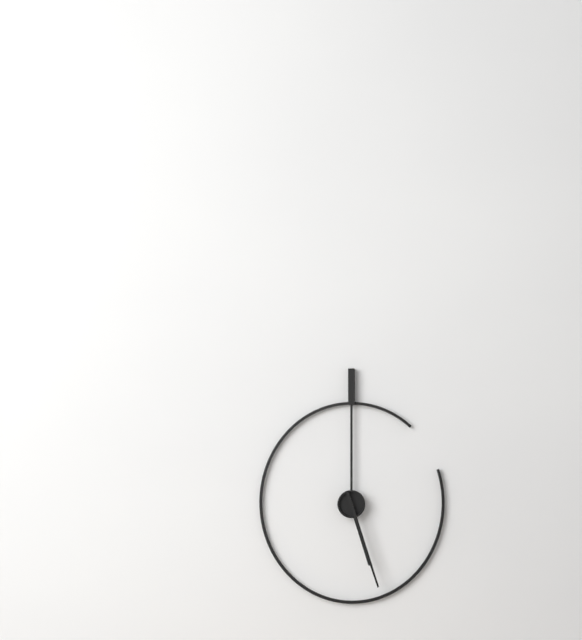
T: 5:27
